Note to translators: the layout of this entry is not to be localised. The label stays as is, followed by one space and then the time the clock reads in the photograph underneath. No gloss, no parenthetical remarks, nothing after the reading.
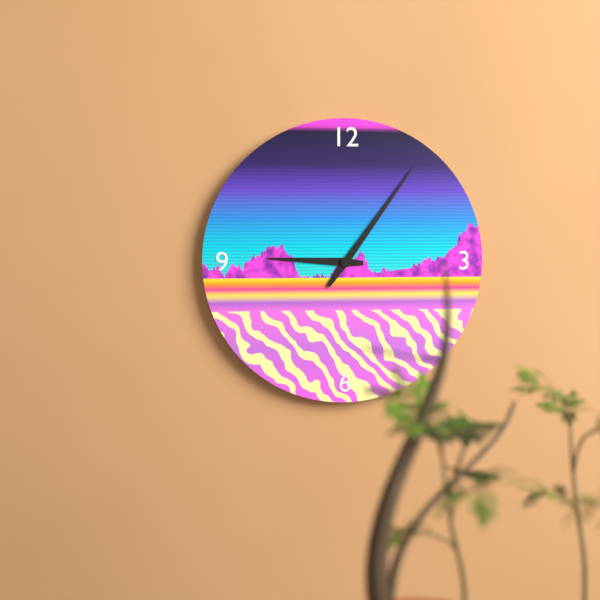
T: 9:06
